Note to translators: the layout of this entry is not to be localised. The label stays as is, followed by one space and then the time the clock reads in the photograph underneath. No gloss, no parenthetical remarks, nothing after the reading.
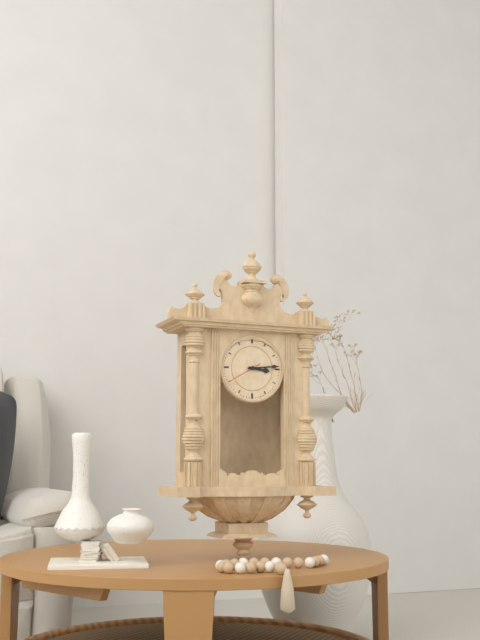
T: 3:14
